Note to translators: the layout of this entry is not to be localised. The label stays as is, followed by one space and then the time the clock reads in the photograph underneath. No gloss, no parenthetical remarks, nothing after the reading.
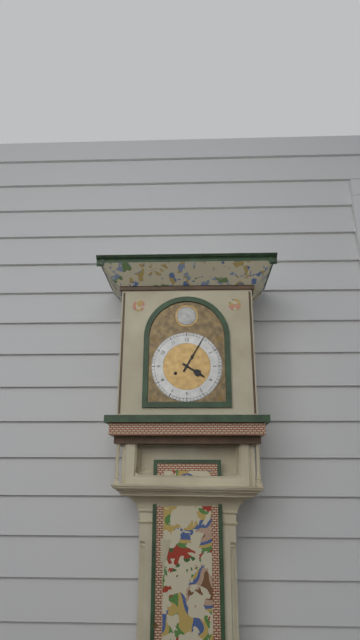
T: 4:05
